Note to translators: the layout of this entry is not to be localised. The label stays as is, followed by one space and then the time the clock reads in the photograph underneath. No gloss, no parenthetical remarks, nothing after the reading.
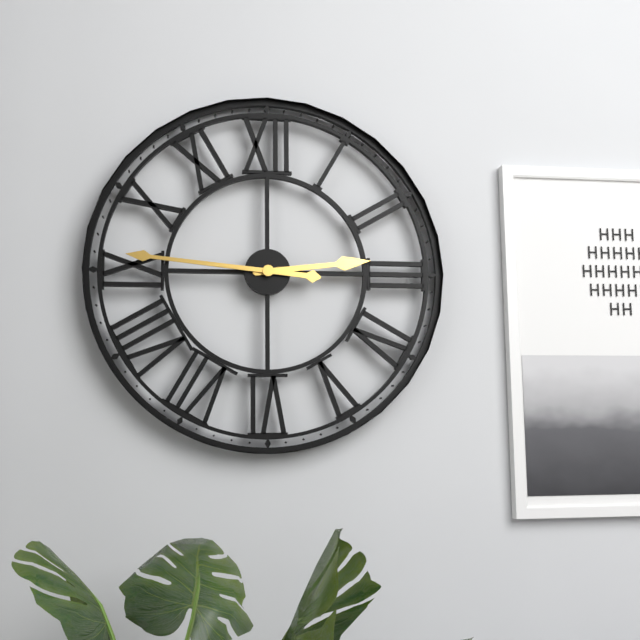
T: 2:46
